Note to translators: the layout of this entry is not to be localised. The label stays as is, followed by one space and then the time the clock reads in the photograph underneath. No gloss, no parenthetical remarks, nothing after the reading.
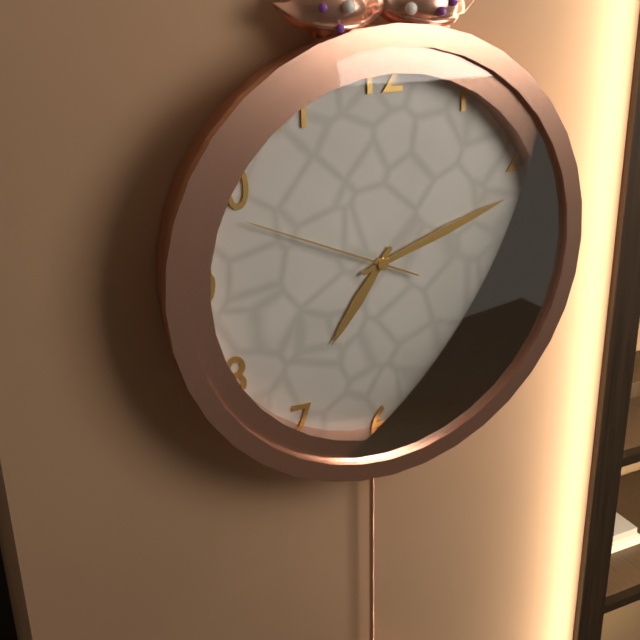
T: 7:12:49
